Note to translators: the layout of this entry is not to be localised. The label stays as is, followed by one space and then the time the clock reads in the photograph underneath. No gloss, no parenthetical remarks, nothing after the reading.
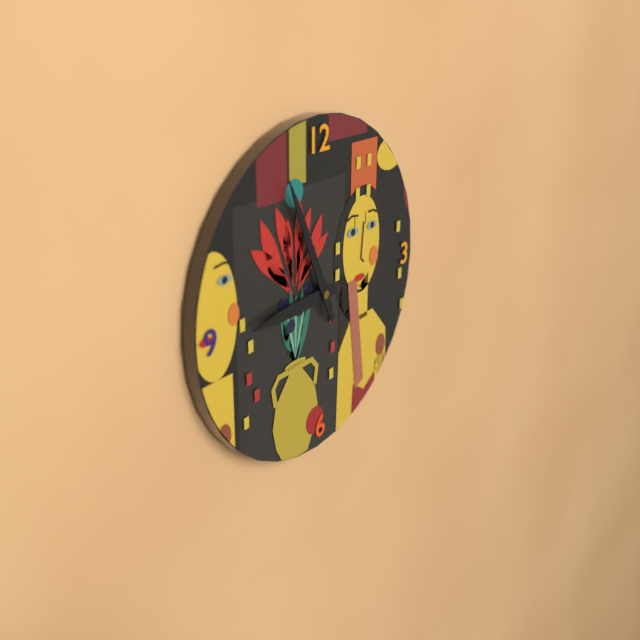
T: 8:56
